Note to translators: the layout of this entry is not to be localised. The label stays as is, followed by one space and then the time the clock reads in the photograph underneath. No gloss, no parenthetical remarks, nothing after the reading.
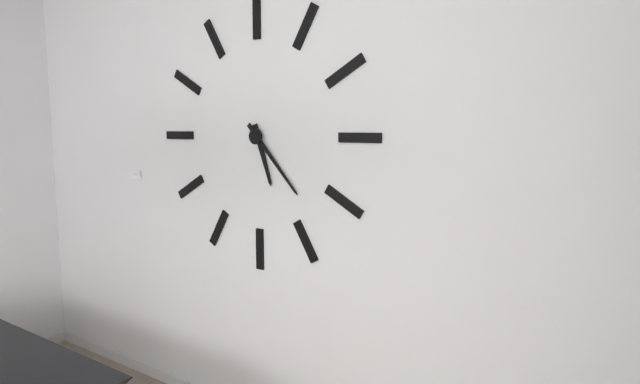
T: 5:23
